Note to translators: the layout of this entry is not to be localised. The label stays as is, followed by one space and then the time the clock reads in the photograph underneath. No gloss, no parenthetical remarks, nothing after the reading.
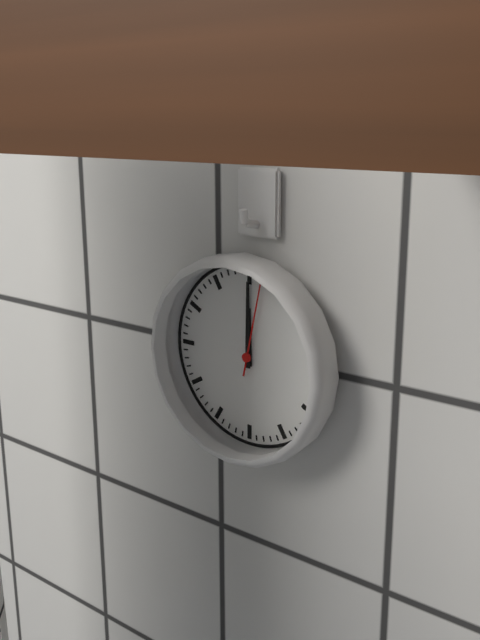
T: 12:00:02
